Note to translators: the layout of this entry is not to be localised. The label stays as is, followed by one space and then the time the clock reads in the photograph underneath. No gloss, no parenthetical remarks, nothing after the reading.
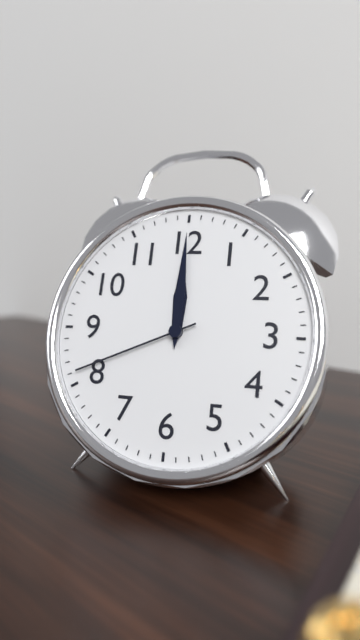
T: 12:00:41
